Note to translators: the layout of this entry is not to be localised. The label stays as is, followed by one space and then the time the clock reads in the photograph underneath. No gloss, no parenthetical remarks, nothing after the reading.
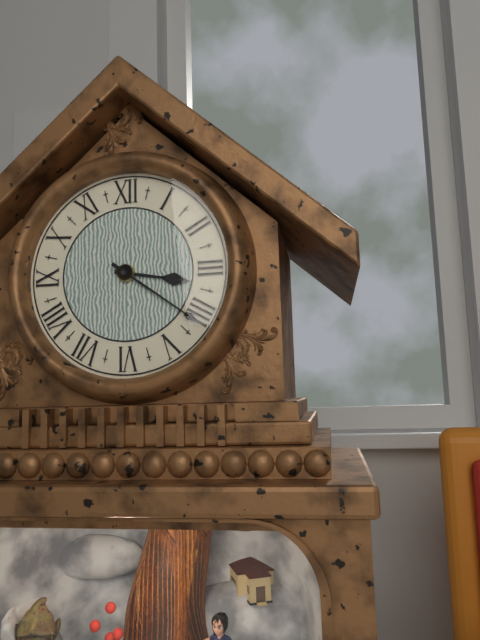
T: 3:21
